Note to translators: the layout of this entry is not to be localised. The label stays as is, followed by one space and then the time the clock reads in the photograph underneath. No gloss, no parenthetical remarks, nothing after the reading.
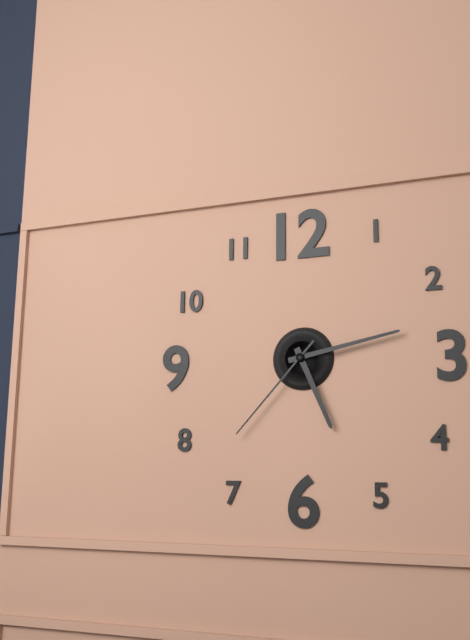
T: 5:13:37
